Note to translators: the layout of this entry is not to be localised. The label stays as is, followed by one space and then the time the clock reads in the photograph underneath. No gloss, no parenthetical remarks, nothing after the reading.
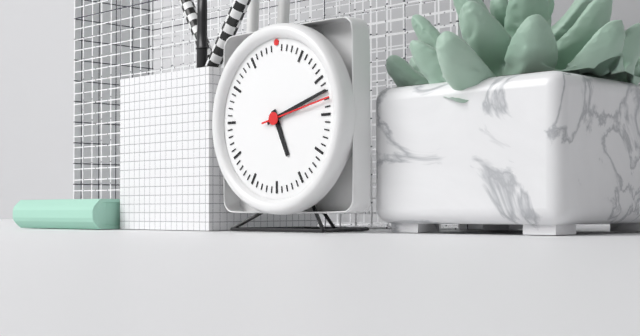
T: 5:12:13
